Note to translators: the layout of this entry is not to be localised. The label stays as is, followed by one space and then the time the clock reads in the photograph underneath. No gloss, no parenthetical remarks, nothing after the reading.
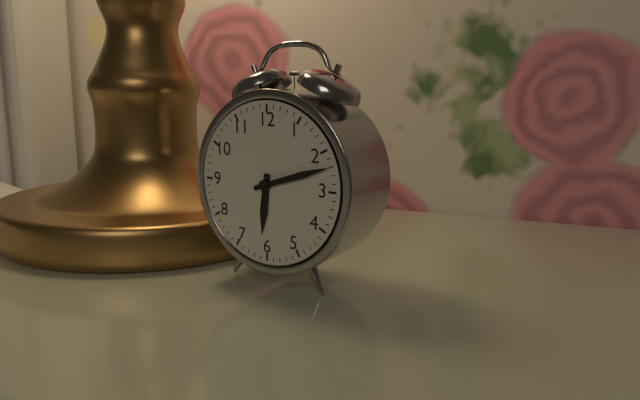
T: 6:12
